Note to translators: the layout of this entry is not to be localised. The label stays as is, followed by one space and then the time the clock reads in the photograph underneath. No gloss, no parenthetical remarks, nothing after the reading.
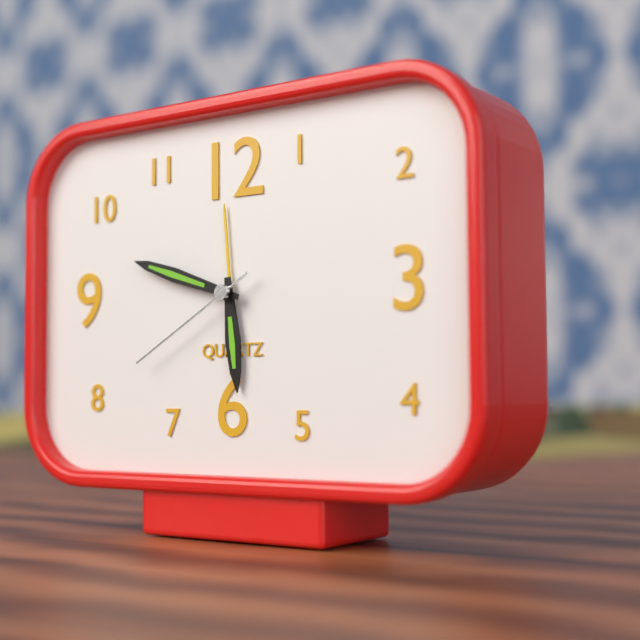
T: 5:48:40
